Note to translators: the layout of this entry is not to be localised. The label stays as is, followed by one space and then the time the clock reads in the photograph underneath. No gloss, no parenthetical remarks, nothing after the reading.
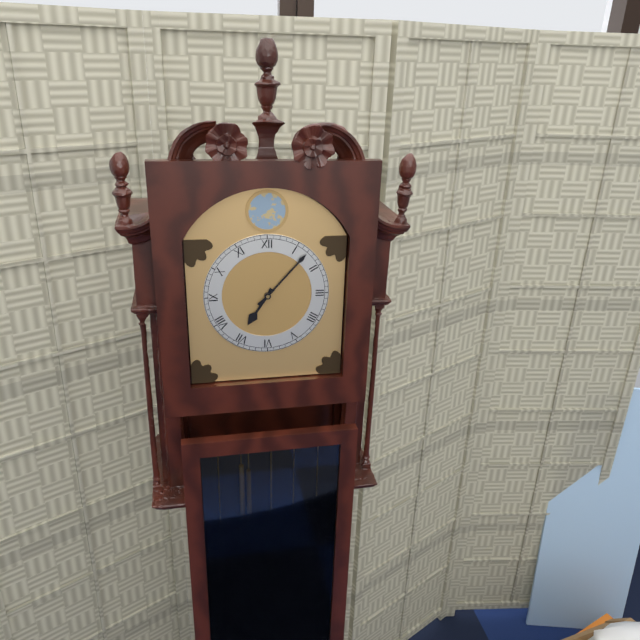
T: 7:07
